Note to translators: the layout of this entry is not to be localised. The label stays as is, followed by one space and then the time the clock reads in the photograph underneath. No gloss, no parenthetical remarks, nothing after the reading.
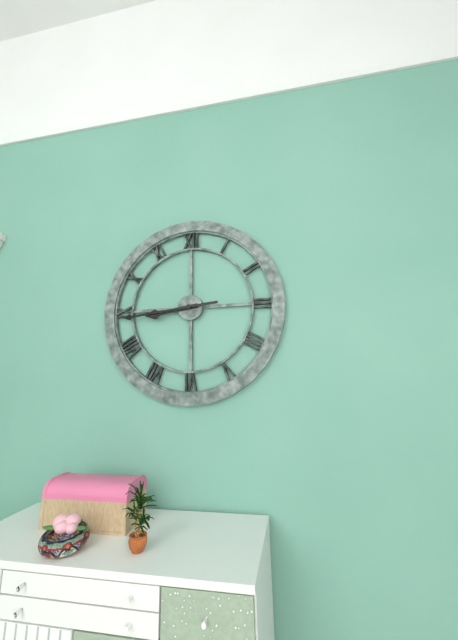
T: 8:44
